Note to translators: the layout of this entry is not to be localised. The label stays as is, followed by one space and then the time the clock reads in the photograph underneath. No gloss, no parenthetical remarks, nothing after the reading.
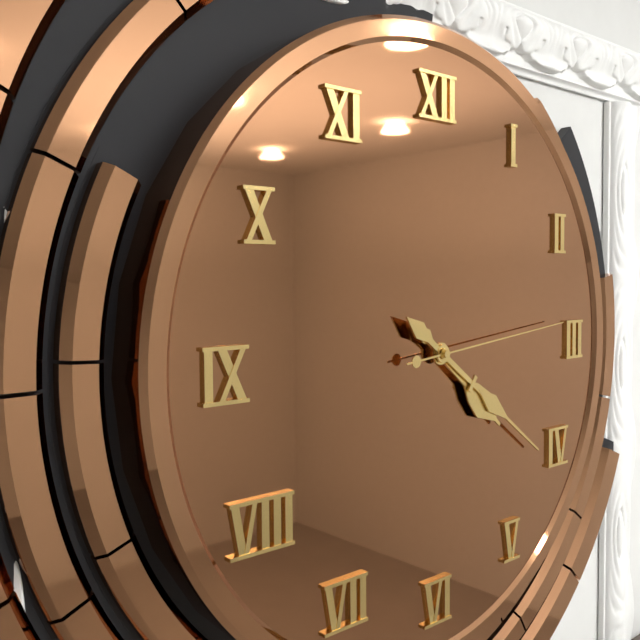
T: 4:21:14
